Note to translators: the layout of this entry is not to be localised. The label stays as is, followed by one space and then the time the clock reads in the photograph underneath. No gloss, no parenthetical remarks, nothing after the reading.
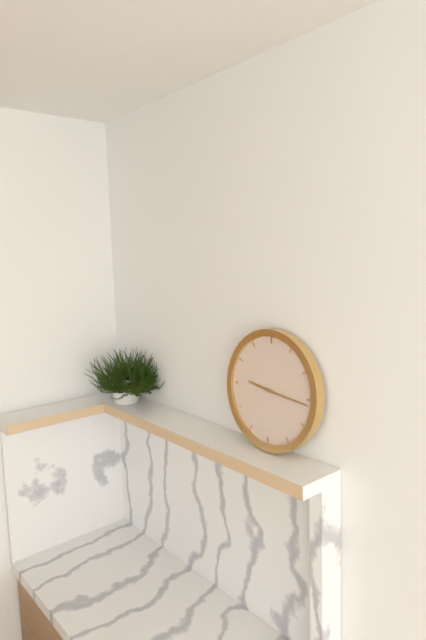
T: 9:16
